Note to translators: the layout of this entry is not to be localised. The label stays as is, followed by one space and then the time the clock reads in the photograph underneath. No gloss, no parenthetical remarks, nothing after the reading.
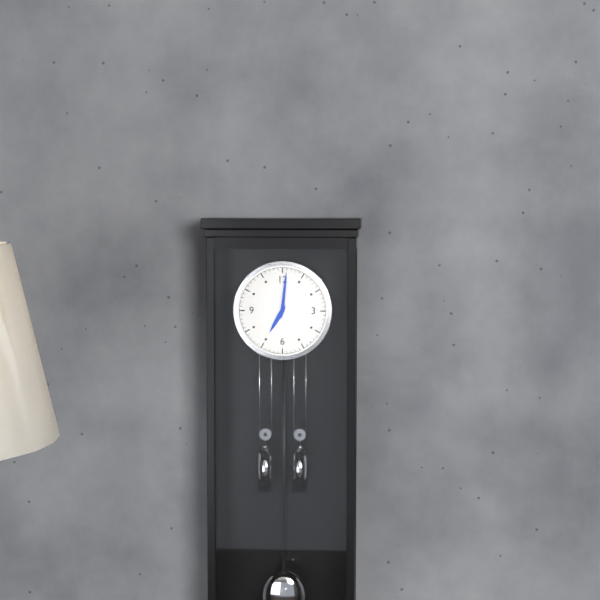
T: 7:01
